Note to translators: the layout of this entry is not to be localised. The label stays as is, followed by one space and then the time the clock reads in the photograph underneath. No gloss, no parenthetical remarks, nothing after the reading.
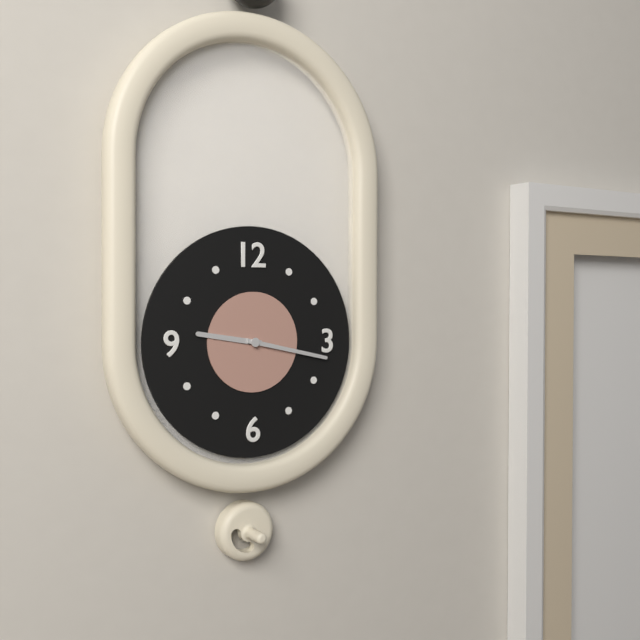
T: 9:17
